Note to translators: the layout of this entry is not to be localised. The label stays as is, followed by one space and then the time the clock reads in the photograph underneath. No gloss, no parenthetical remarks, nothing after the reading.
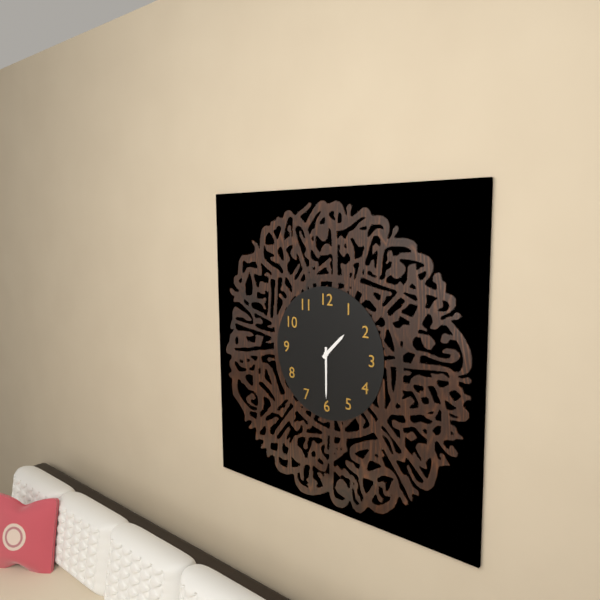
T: 1:30
